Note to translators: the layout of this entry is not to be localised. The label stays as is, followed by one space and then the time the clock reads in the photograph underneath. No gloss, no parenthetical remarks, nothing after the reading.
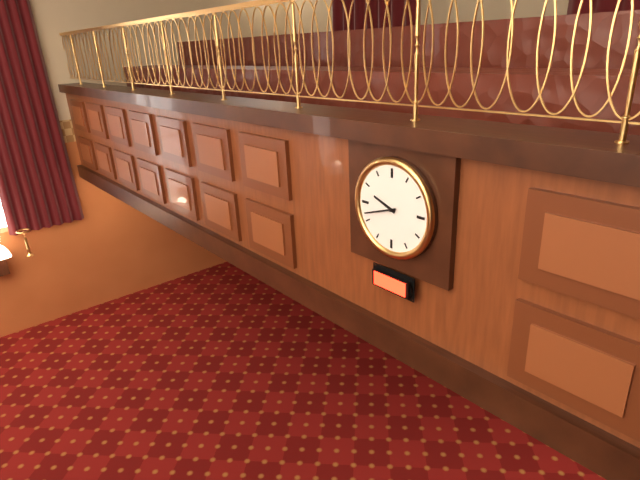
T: 9:42
